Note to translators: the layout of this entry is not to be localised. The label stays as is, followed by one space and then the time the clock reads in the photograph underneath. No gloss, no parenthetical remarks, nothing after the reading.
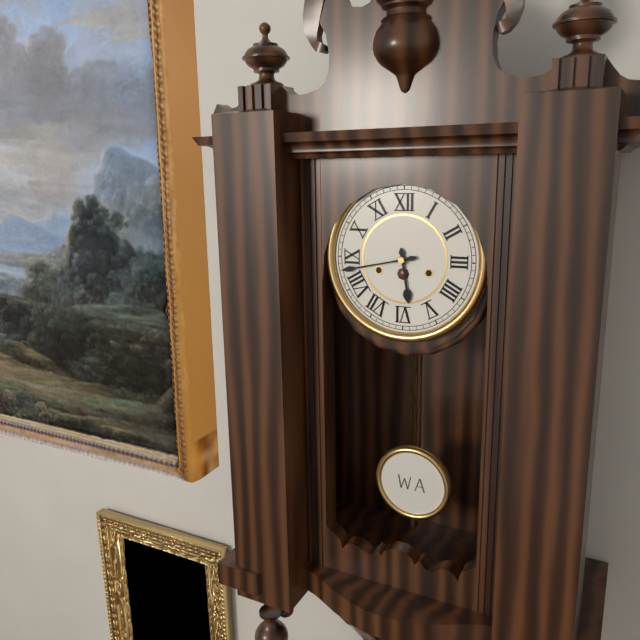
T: 5:43
